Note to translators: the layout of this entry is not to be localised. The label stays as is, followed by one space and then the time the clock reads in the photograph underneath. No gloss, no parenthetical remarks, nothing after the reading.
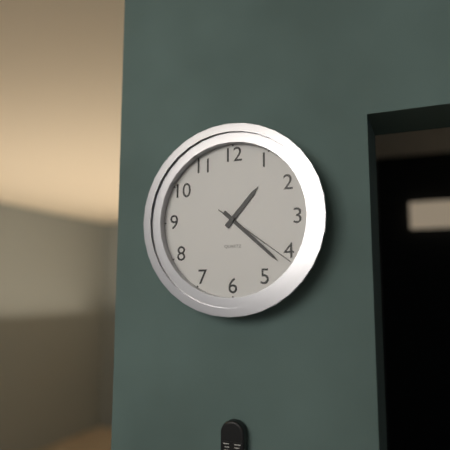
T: 1:22:21
